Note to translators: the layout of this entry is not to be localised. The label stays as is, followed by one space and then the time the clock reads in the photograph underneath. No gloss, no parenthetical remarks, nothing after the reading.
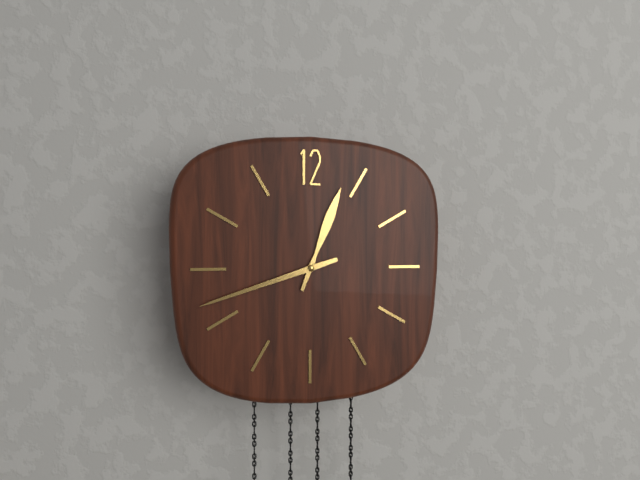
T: 12:42
